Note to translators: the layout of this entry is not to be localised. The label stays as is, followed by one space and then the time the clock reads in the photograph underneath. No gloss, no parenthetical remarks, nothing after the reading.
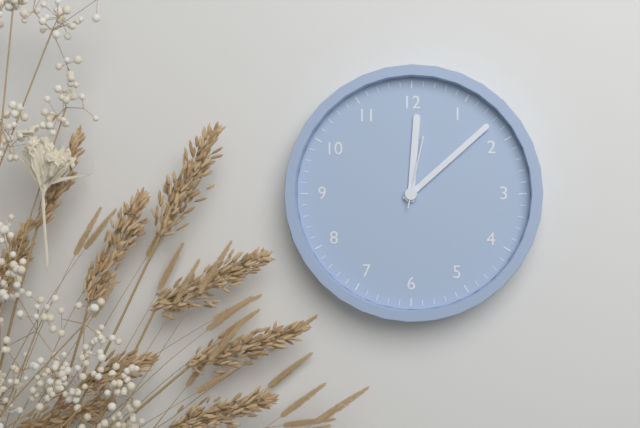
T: 12:08:02
